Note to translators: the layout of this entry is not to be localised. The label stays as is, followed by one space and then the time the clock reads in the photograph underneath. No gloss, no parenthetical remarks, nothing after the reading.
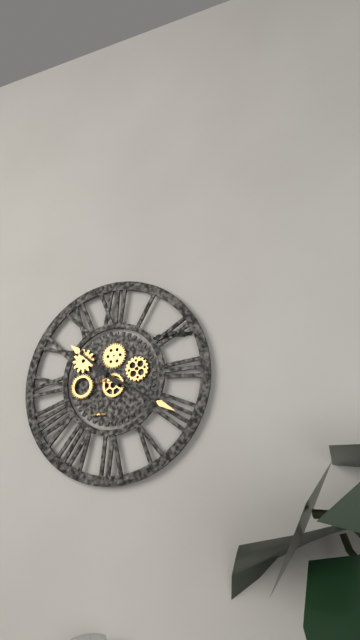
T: 10:20
